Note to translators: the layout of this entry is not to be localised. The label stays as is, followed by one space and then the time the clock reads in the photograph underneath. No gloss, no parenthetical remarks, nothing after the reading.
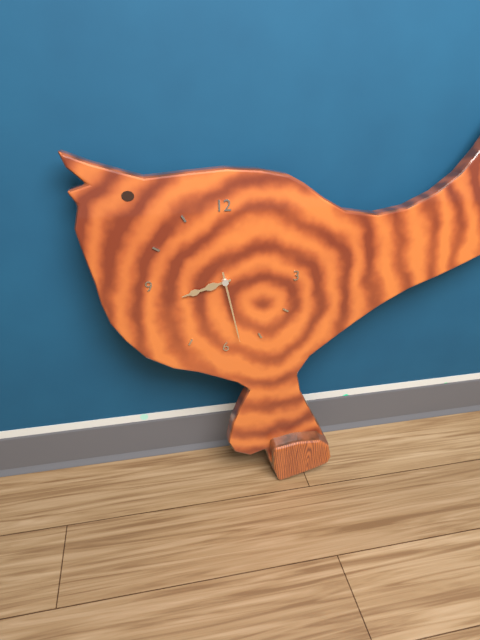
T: 8:28
